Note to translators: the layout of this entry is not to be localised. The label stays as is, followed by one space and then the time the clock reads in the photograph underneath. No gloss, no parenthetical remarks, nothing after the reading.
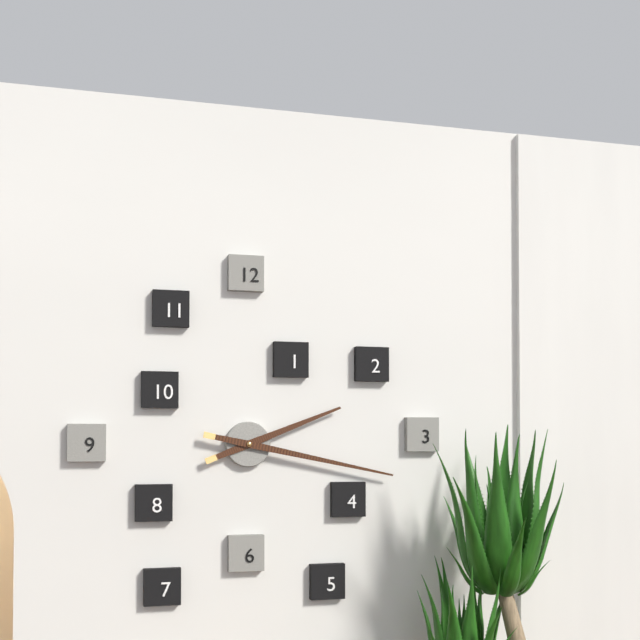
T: 2:17
